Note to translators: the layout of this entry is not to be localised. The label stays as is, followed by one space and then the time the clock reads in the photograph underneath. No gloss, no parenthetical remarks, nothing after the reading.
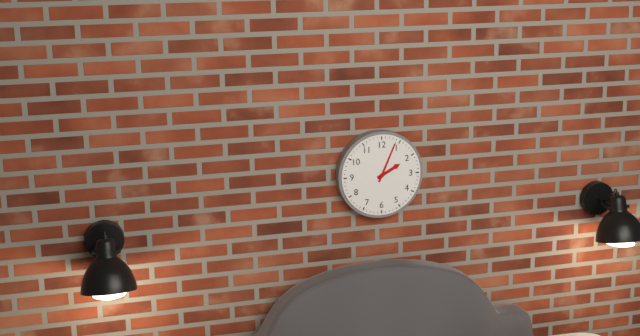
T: 2:04
